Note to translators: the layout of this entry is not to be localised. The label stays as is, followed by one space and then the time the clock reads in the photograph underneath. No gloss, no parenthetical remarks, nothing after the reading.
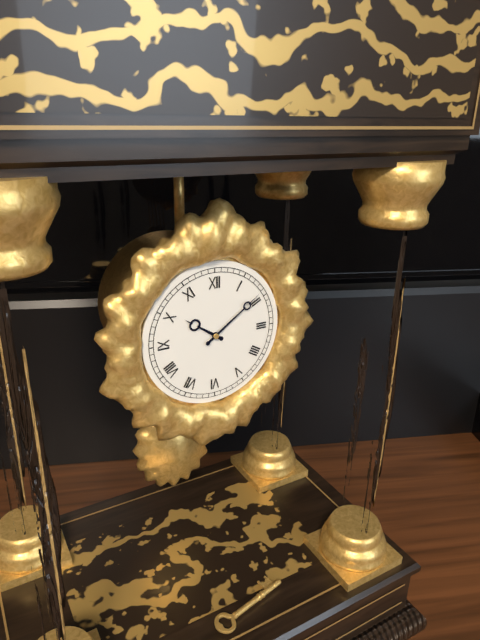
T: 10:09
